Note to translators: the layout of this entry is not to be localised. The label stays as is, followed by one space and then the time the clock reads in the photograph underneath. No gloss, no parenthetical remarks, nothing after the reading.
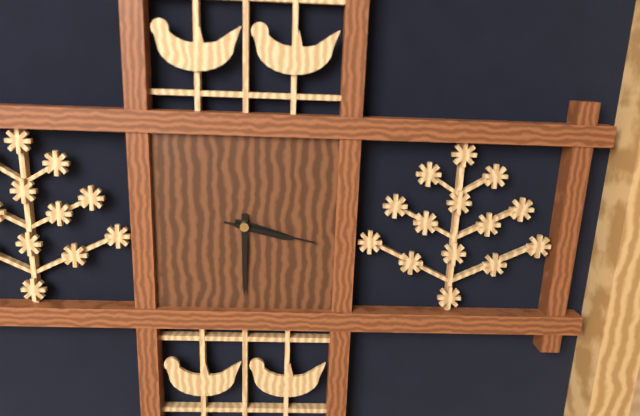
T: 3:30:17
